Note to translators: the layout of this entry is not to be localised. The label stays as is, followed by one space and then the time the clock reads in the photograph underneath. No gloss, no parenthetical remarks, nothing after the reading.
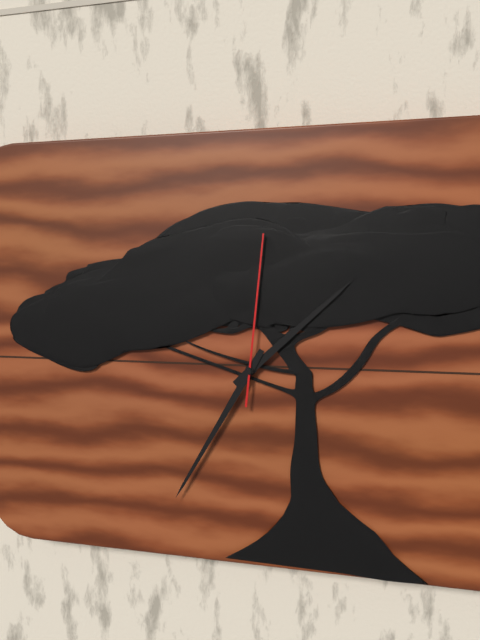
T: 1:35:01
